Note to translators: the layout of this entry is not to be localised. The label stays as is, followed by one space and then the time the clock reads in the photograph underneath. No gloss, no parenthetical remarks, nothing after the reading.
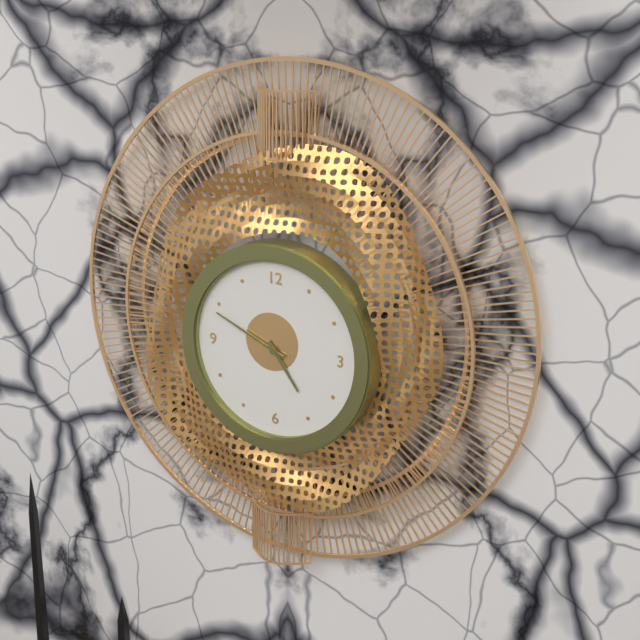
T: 4:49
